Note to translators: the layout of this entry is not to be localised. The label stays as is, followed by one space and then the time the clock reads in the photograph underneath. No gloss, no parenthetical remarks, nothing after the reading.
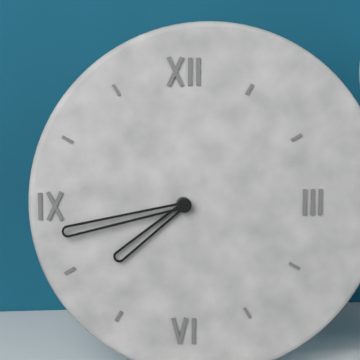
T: 7:43
